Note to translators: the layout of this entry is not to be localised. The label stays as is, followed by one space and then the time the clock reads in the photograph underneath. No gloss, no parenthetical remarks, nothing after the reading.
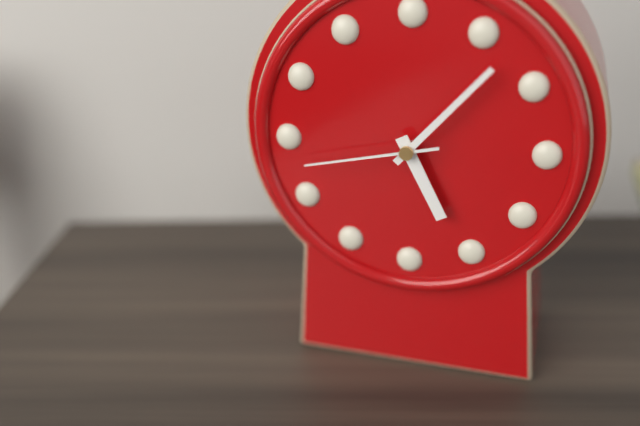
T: 5:07:43
